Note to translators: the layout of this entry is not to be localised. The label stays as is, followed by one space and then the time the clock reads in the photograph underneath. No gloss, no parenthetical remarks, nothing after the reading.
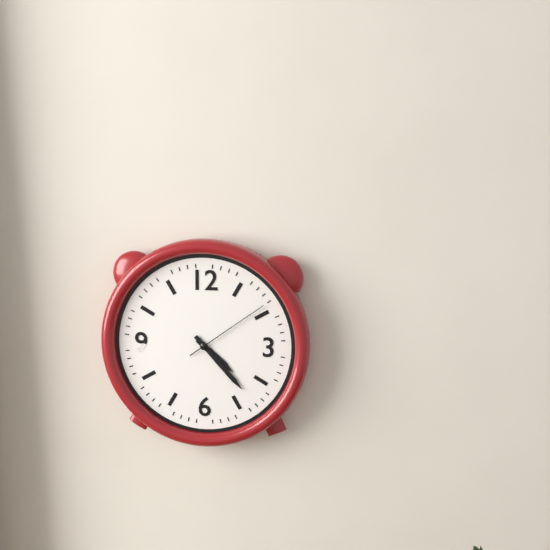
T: 4:23:09
